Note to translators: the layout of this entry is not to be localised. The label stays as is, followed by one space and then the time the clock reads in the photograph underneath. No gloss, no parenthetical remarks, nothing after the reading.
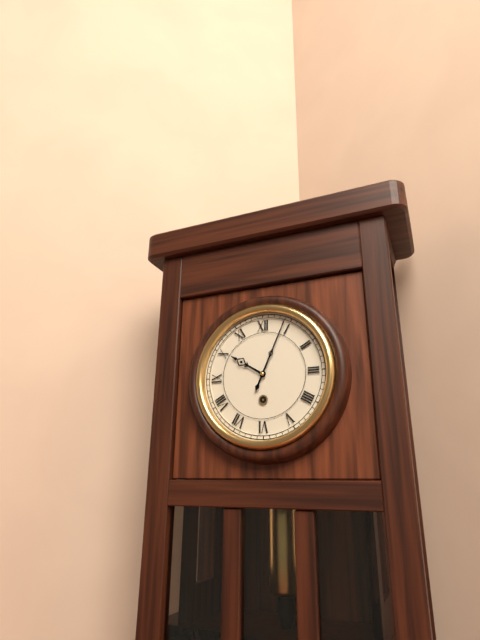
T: 10:04
